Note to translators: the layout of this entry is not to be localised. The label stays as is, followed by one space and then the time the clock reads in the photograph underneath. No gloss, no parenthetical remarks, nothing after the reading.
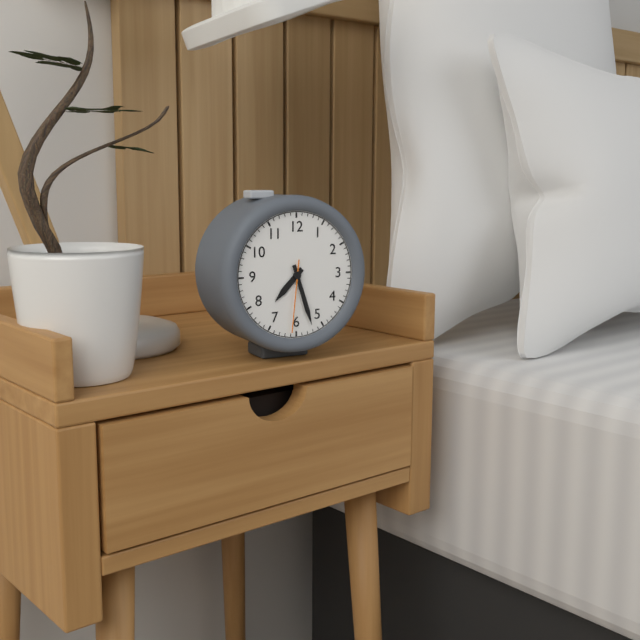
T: 7:27:31
